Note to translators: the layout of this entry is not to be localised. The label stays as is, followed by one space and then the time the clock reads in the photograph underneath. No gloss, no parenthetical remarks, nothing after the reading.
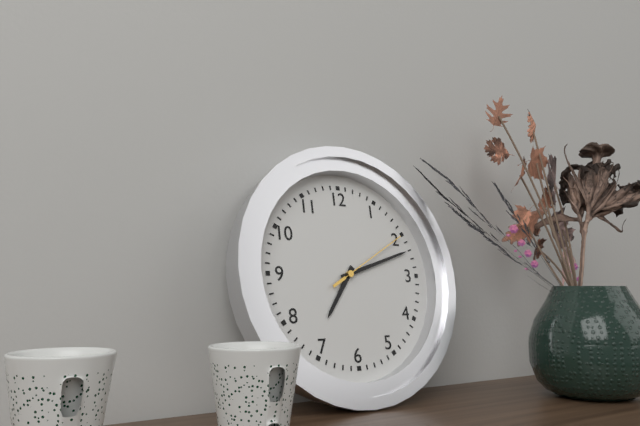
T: 7:12:10
